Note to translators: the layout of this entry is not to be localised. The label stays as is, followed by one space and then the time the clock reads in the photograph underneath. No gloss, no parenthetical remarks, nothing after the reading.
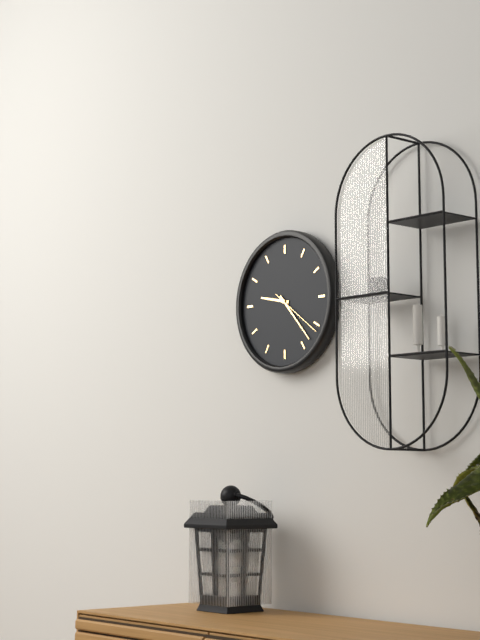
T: 9:23
